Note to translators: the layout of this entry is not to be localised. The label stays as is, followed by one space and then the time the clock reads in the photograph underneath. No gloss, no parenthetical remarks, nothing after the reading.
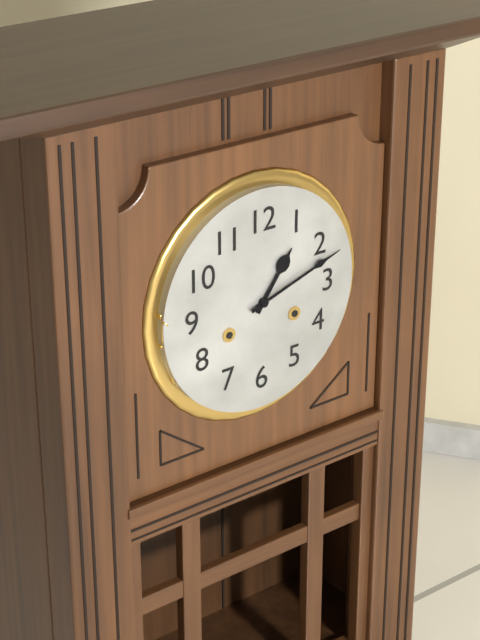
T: 1:12
